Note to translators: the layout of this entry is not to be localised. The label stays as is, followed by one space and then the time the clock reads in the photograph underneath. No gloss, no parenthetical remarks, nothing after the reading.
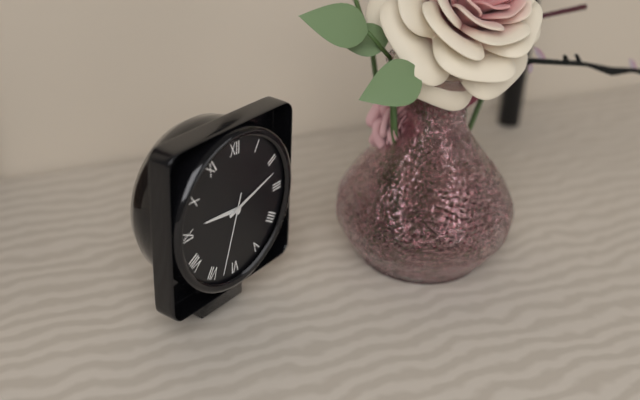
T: 9:12:33
